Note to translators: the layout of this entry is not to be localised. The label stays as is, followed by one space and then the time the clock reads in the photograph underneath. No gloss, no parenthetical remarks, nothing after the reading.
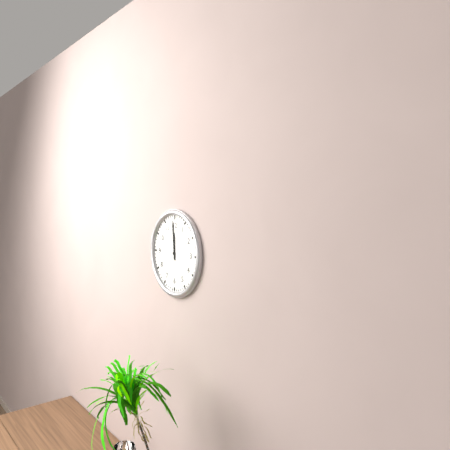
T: 11:59
